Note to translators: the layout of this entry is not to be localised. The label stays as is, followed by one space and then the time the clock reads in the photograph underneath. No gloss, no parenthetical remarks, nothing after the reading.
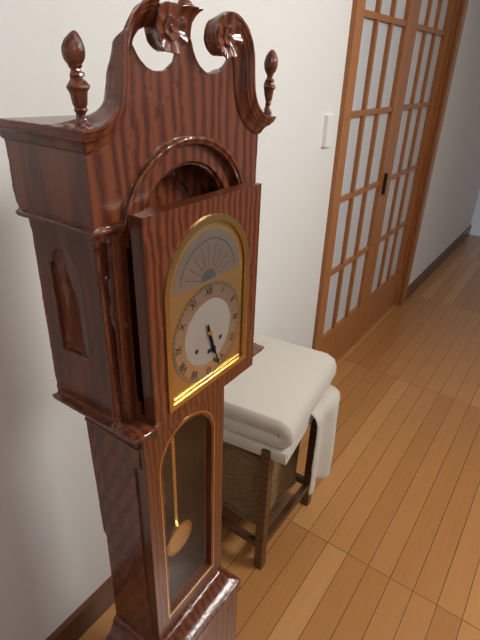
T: 5:27
